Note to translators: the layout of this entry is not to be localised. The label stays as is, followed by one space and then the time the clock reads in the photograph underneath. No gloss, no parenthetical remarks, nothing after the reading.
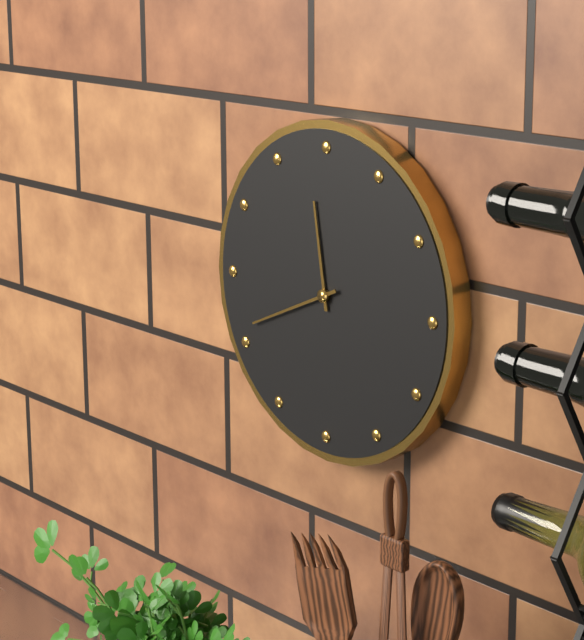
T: 11:41
